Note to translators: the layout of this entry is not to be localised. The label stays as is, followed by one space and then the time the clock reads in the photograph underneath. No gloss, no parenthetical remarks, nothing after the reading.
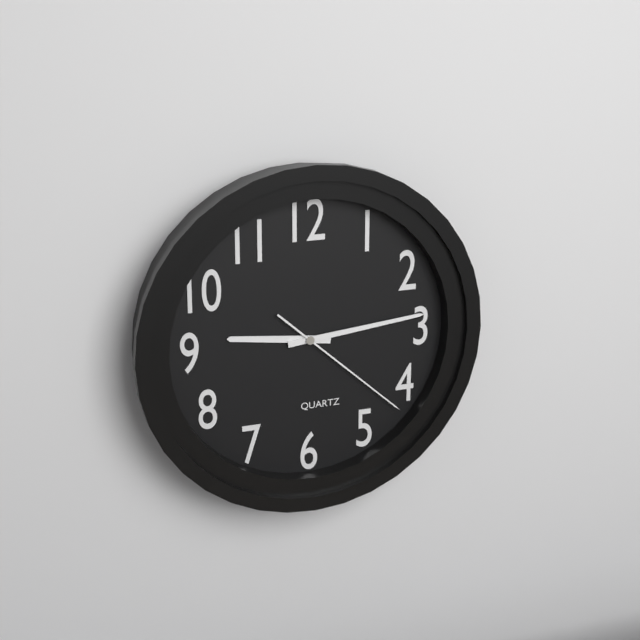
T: 9:14:22
